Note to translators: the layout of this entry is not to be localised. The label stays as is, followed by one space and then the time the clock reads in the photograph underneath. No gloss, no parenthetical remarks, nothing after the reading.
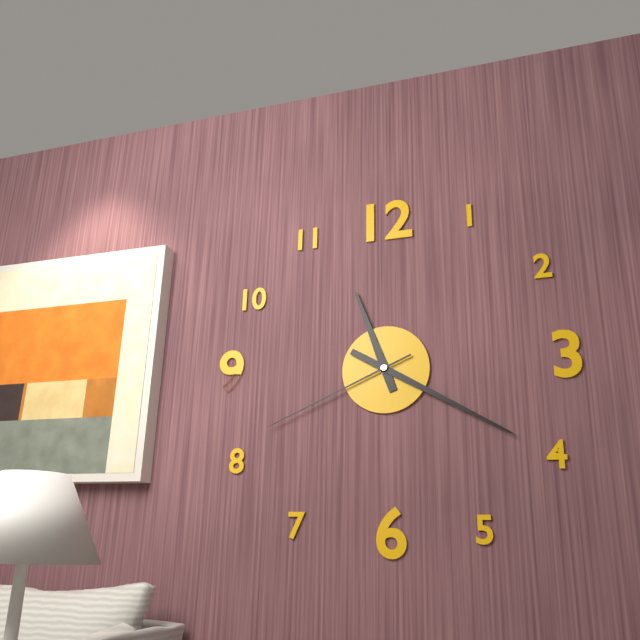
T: 11:20:41
